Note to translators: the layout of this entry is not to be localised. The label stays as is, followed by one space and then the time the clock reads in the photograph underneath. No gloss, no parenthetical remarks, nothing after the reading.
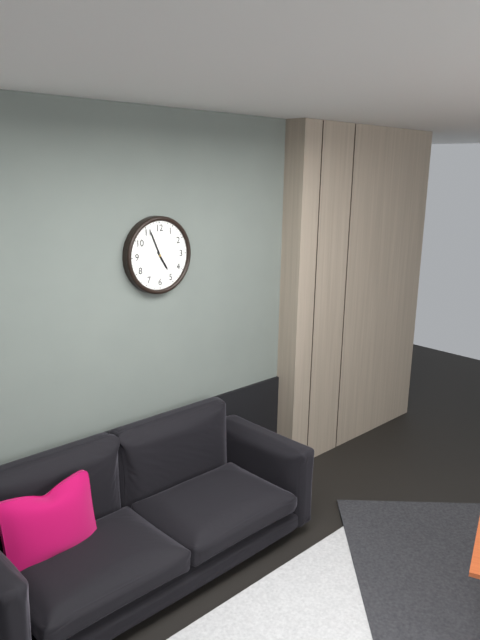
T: 4:56
